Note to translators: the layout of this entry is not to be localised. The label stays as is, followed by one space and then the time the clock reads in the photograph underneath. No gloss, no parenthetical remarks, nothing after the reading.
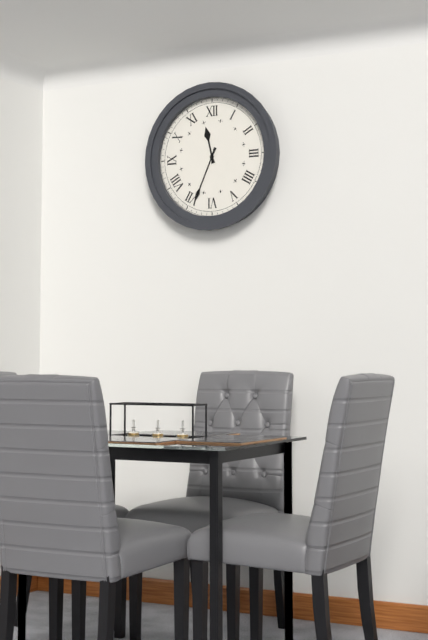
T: 11:34
